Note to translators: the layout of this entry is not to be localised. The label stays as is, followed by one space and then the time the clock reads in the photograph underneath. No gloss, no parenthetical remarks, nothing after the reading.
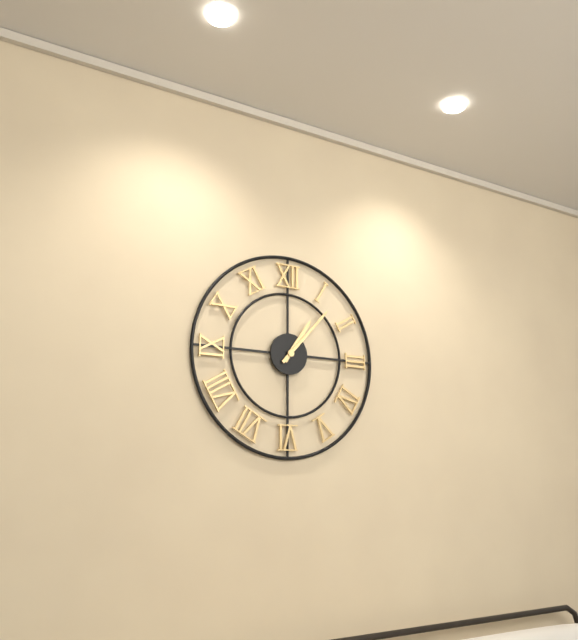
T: 1:07
